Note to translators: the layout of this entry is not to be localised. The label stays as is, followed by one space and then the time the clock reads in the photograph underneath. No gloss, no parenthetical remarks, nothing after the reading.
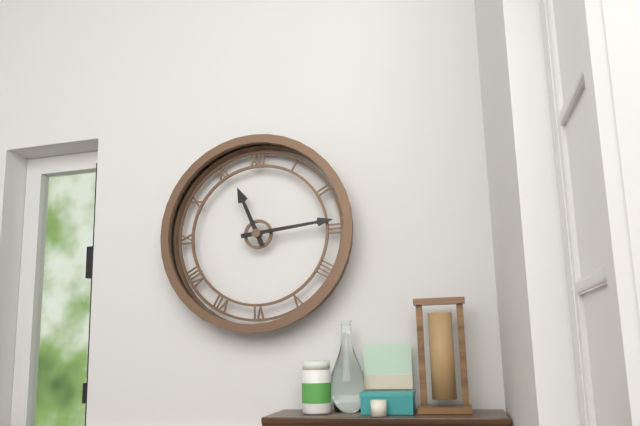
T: 11:14
